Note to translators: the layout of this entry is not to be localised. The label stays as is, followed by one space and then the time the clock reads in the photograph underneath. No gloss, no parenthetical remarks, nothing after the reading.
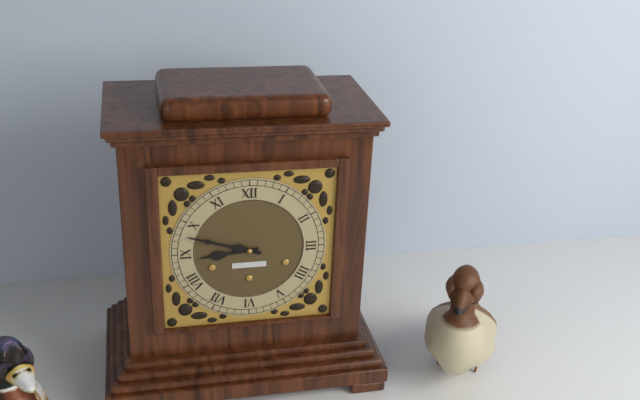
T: 8:48
